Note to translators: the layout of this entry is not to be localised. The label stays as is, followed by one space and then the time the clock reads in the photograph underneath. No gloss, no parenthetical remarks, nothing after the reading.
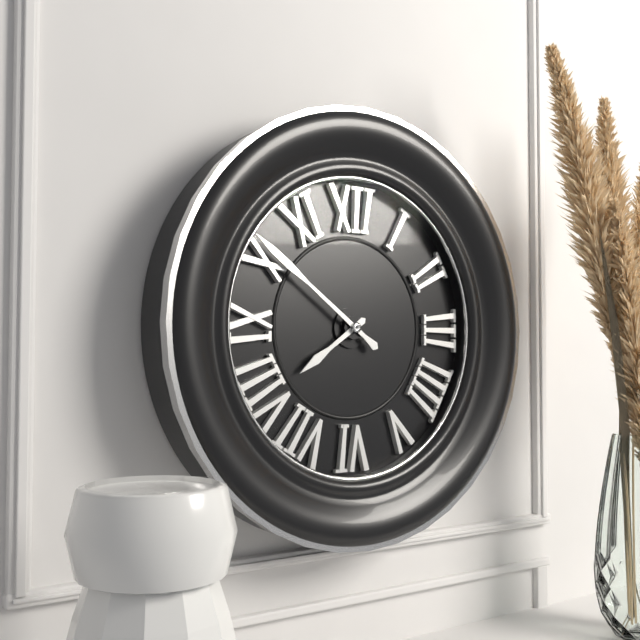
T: 7:51
